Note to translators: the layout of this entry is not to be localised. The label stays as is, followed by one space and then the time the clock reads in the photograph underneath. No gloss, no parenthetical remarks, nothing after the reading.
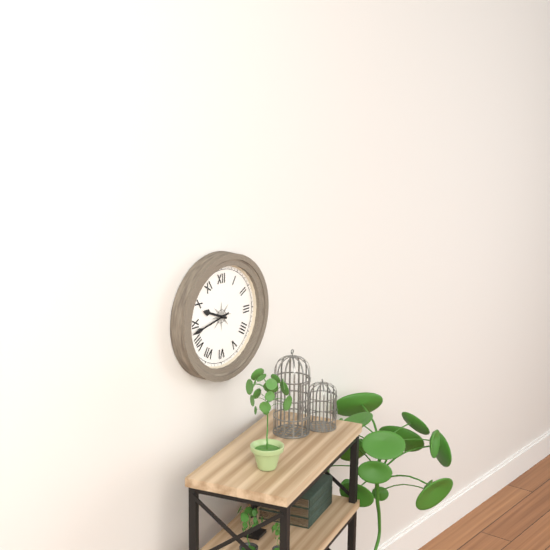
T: 9:43
